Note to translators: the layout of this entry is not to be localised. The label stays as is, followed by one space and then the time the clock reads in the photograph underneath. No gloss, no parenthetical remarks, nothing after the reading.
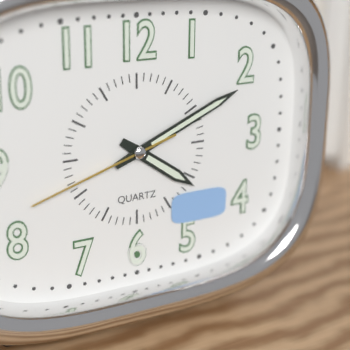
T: 4:11:42
